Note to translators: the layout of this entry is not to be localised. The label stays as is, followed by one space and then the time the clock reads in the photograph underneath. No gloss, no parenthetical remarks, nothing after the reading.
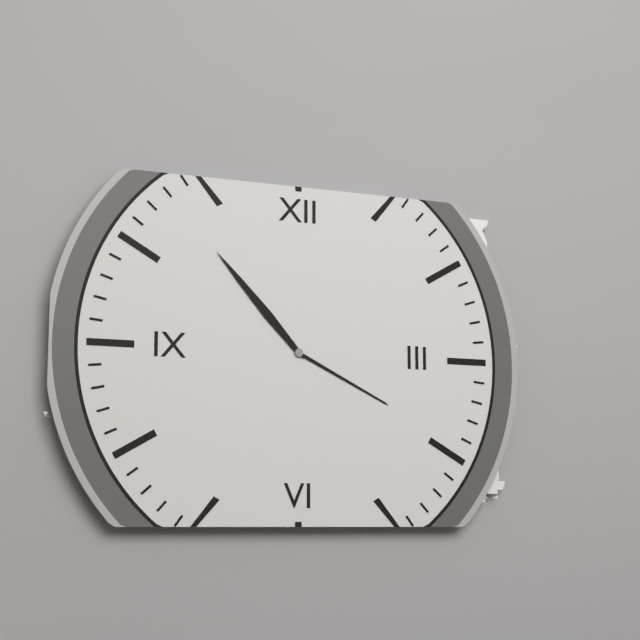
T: 3:53
